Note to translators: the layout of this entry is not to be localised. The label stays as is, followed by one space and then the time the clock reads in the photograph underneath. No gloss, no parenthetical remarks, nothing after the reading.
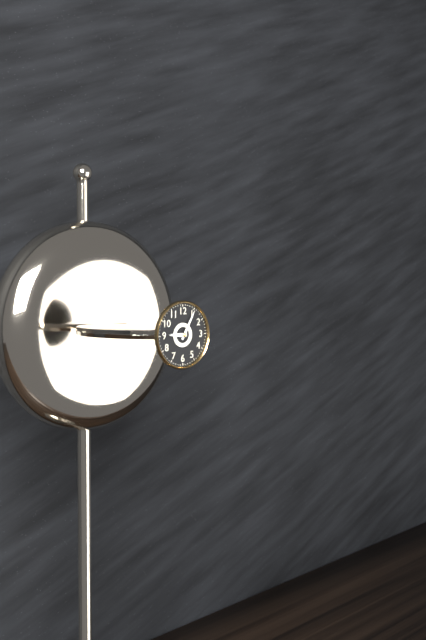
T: 9:05
